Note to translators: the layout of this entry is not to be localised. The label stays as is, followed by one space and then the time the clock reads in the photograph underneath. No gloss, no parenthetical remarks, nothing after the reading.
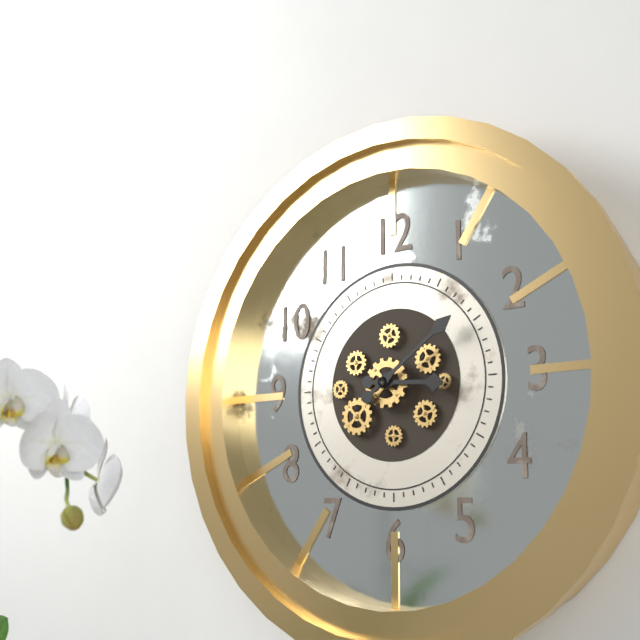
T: 3:09
